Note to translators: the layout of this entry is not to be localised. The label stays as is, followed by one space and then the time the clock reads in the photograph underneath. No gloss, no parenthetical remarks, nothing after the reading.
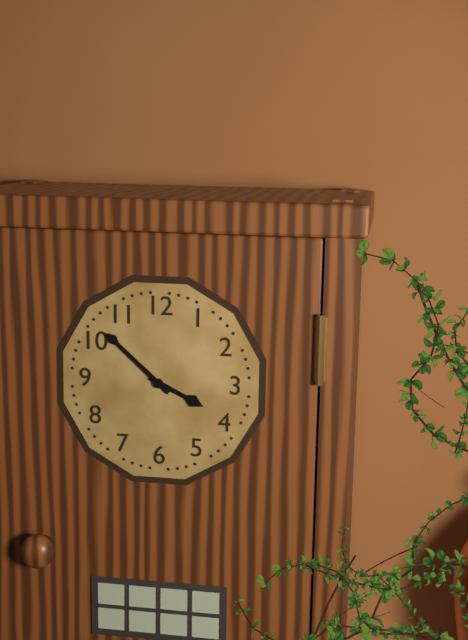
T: 3:52
